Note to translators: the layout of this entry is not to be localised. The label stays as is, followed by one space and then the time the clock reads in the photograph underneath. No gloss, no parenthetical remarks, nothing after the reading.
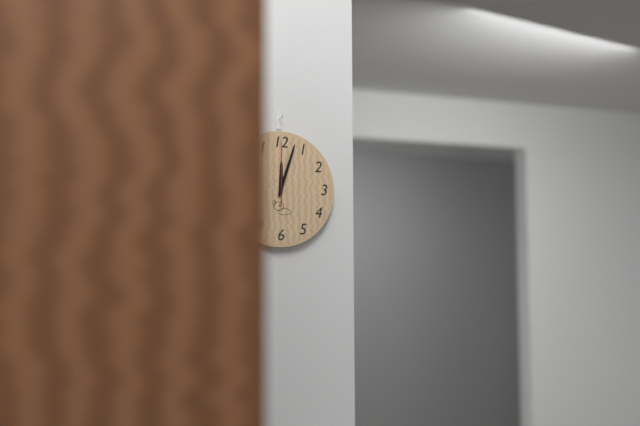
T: 12:03:00
